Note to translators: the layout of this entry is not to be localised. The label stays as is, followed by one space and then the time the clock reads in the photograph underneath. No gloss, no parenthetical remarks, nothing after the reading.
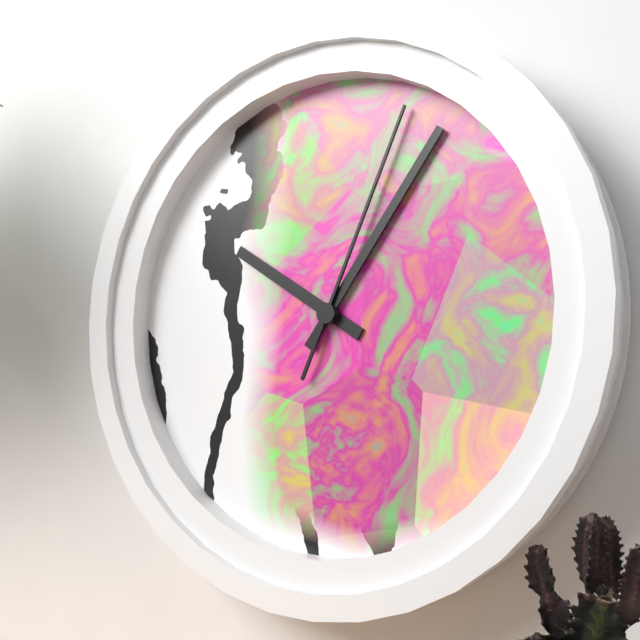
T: 10:06:04
